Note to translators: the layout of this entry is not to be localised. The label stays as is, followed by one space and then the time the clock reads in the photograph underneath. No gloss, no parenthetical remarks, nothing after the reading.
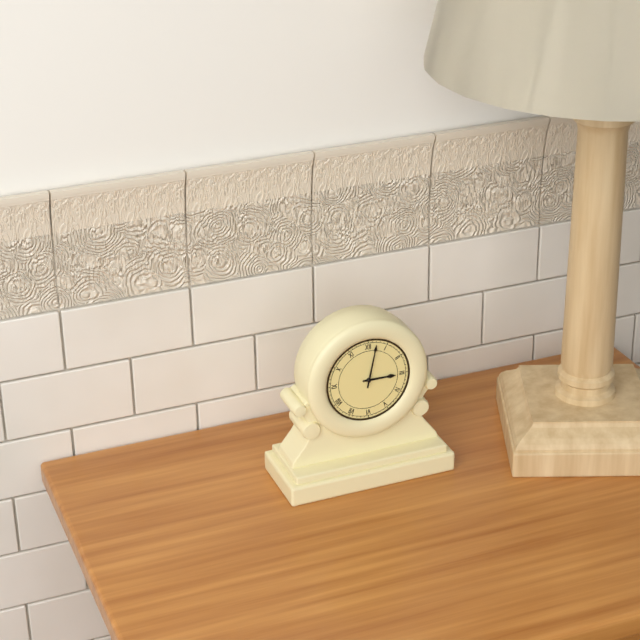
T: 3:02
